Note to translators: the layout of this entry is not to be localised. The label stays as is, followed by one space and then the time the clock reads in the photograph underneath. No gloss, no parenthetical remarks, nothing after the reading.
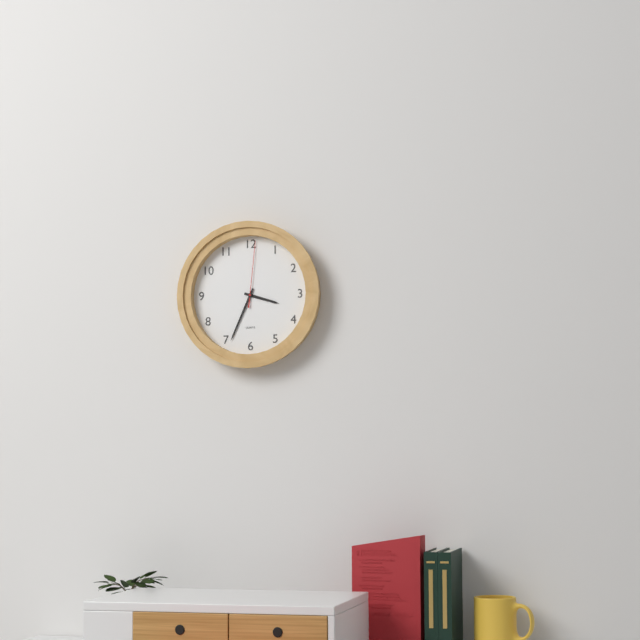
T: 3:34:01
